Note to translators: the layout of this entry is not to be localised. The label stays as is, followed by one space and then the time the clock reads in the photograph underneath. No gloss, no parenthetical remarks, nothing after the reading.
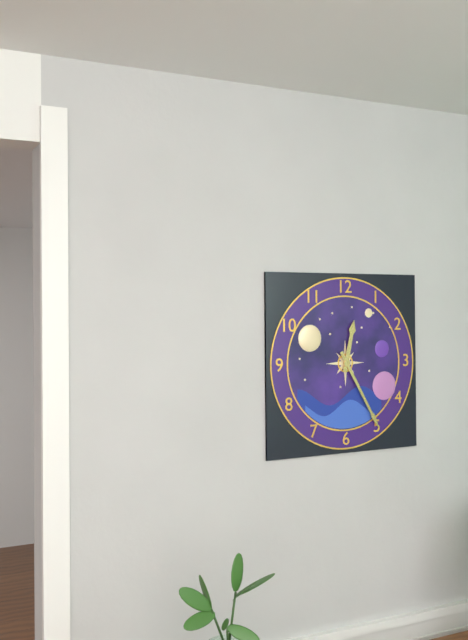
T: 12:25
